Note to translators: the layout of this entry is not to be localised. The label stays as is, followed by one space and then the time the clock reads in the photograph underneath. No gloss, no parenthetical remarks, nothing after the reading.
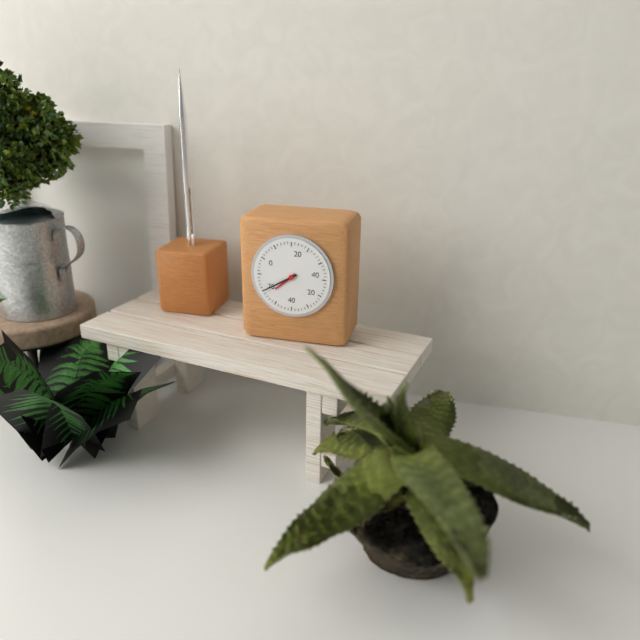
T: 7:40
